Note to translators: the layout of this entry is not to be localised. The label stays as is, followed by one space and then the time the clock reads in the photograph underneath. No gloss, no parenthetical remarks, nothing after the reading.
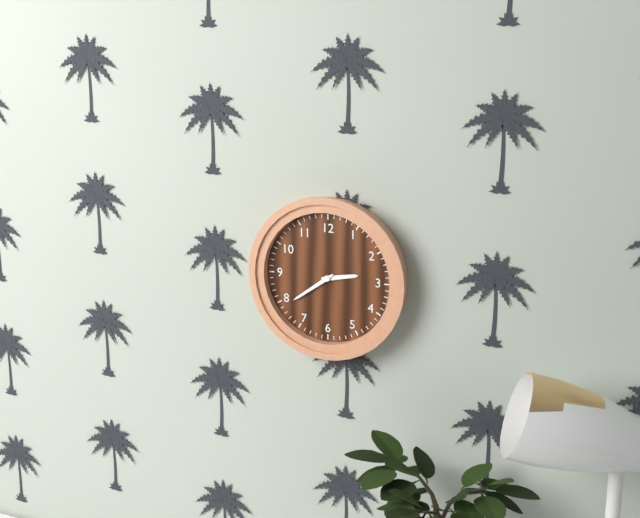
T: 2:39
